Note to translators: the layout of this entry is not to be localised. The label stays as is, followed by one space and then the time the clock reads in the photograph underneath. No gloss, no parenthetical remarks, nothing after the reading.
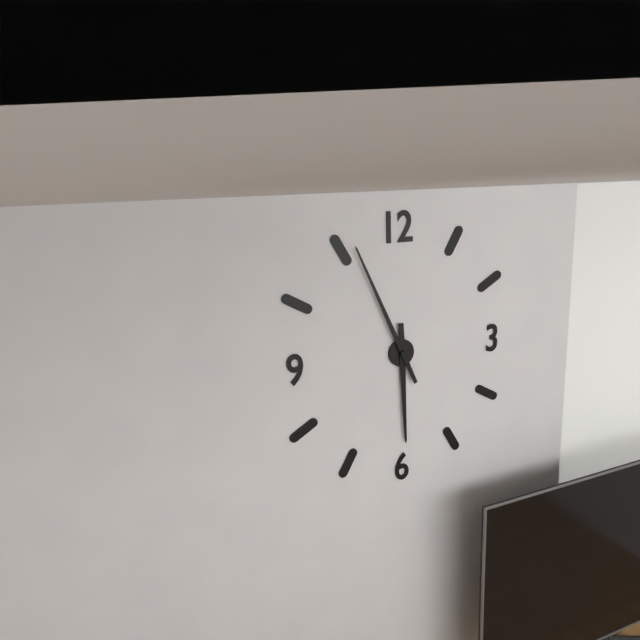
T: 5:56
